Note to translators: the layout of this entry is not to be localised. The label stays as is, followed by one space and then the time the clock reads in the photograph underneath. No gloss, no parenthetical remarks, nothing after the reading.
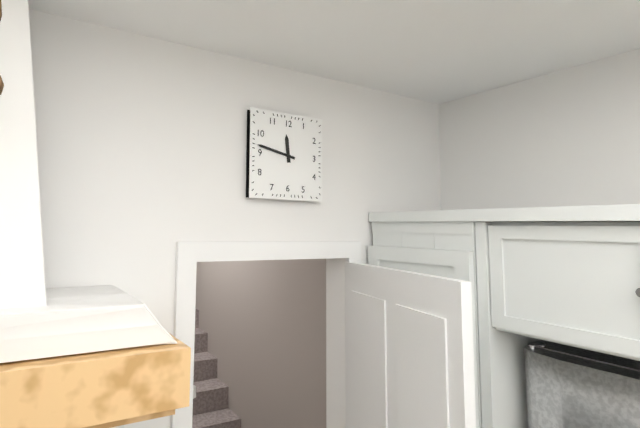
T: 11:47
